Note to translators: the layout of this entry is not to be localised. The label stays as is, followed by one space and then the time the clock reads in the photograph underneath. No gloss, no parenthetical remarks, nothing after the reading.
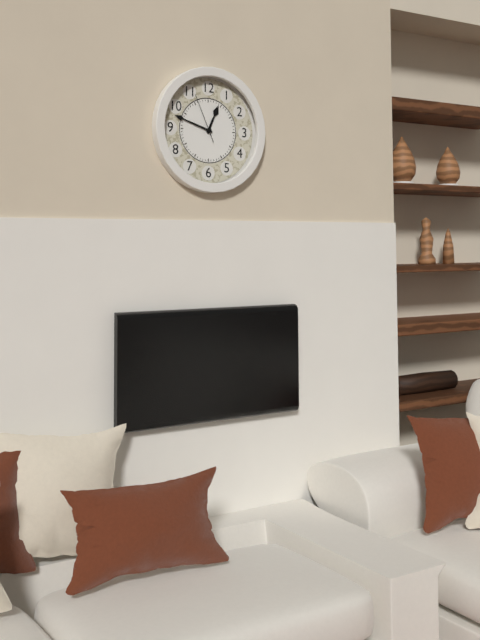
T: 12:48
